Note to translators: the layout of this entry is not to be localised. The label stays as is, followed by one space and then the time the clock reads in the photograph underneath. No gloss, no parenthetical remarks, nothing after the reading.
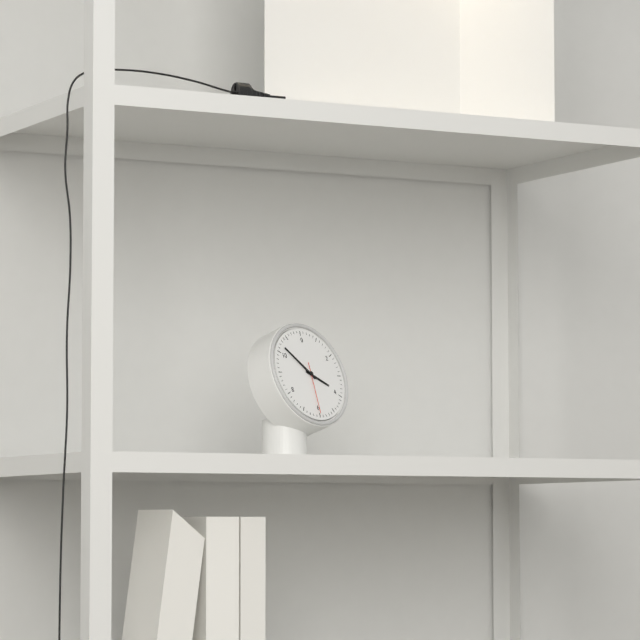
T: 3:52:30
